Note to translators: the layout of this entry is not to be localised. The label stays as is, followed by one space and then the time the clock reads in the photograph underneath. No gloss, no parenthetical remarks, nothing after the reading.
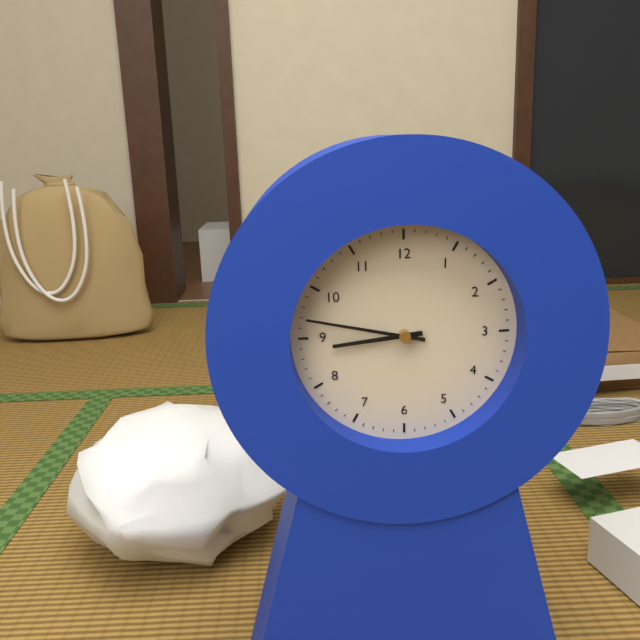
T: 8:47
